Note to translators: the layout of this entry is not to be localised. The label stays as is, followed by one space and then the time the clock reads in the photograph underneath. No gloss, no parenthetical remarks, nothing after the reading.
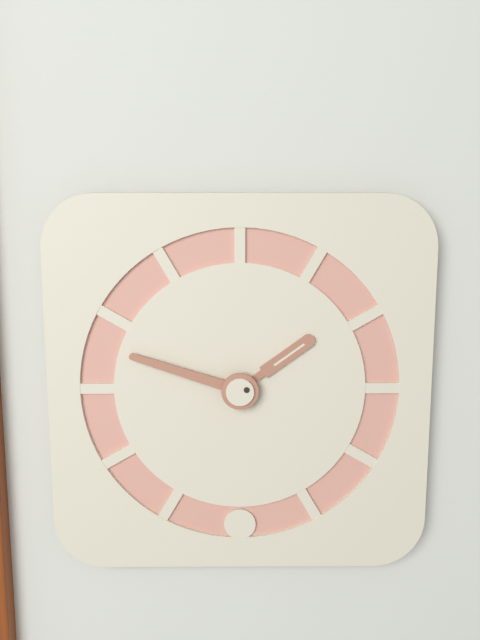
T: 1:48
